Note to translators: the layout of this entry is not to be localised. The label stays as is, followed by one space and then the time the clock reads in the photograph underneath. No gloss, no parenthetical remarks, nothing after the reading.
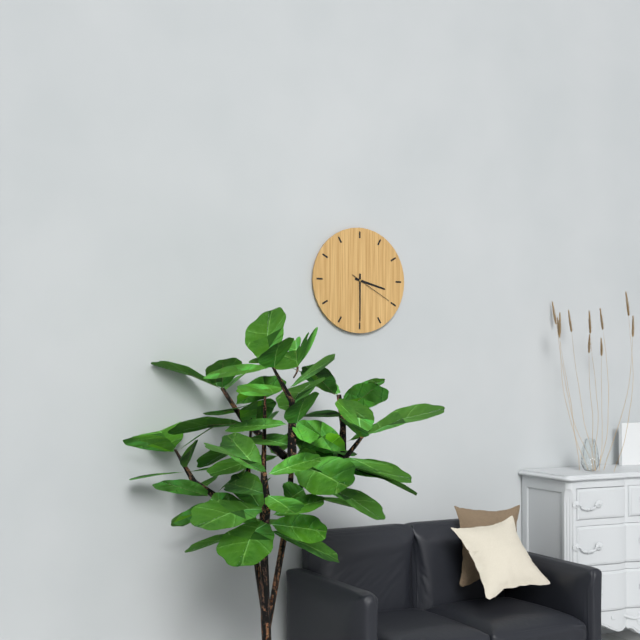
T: 3:30
